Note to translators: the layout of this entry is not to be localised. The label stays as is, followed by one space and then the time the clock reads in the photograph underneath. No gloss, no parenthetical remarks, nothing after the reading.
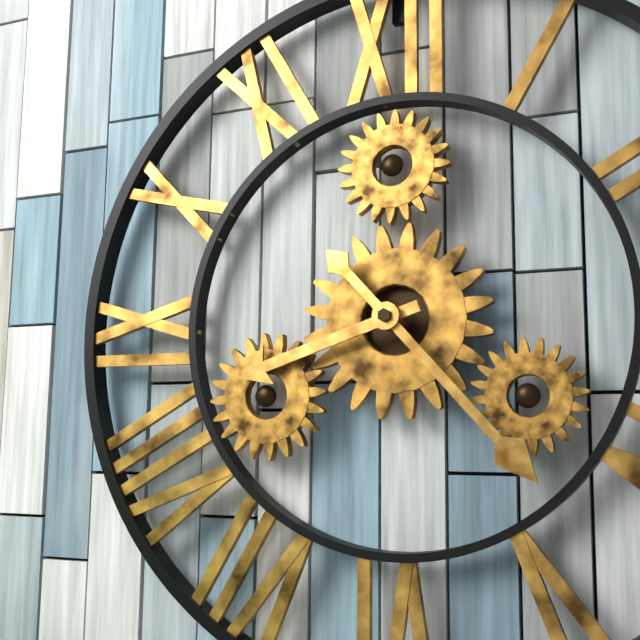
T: 8:23
